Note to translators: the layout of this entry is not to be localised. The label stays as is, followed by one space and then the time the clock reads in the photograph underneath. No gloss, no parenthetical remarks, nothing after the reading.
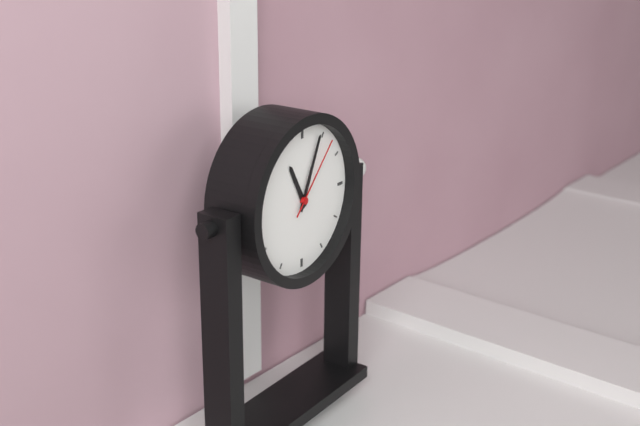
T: 11:04:07
